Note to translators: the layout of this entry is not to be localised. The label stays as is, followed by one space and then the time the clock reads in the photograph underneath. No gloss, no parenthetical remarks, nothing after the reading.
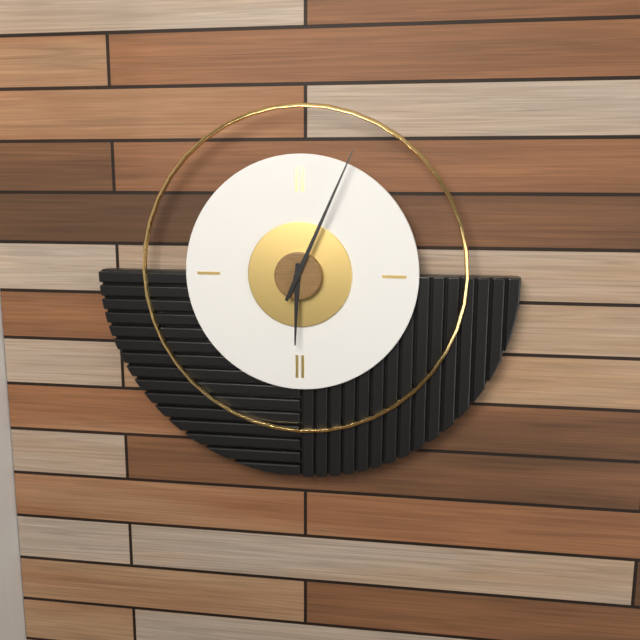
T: 6:04
